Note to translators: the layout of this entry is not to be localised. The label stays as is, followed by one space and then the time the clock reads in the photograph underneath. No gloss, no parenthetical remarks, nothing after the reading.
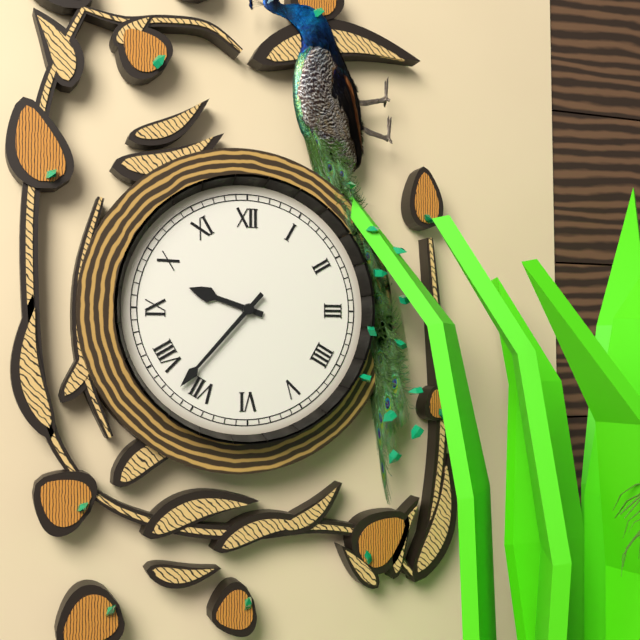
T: 9:37
